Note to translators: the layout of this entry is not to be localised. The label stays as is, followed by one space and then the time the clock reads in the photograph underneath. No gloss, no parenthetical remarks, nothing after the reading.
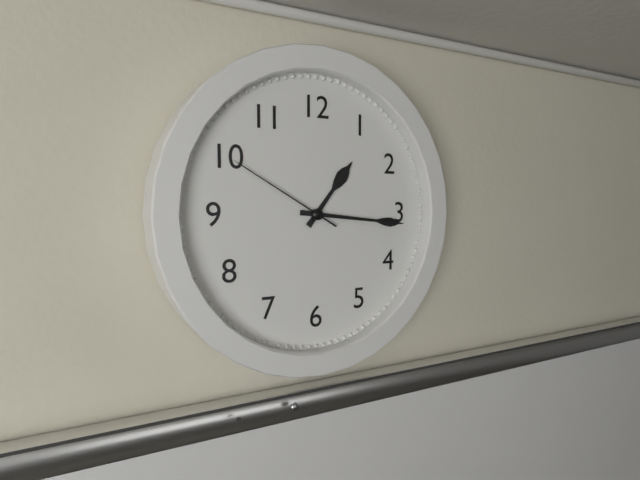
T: 1:16:50
